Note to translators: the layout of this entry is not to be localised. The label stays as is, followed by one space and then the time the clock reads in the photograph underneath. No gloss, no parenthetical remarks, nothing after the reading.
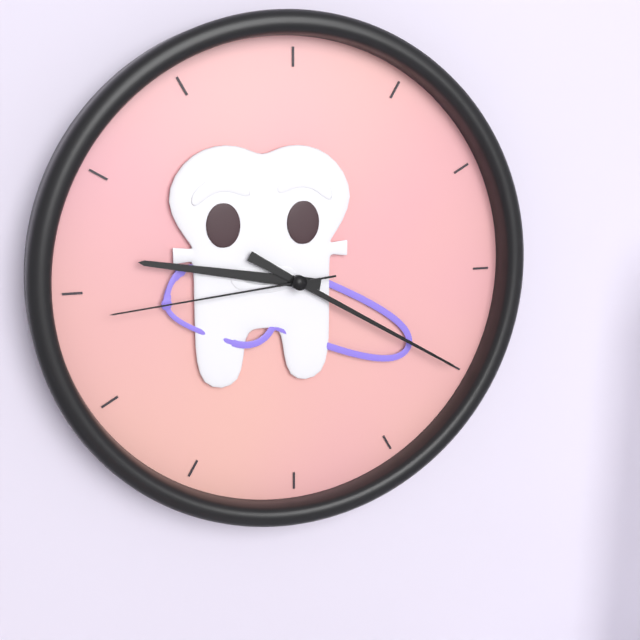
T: 9:20:44
